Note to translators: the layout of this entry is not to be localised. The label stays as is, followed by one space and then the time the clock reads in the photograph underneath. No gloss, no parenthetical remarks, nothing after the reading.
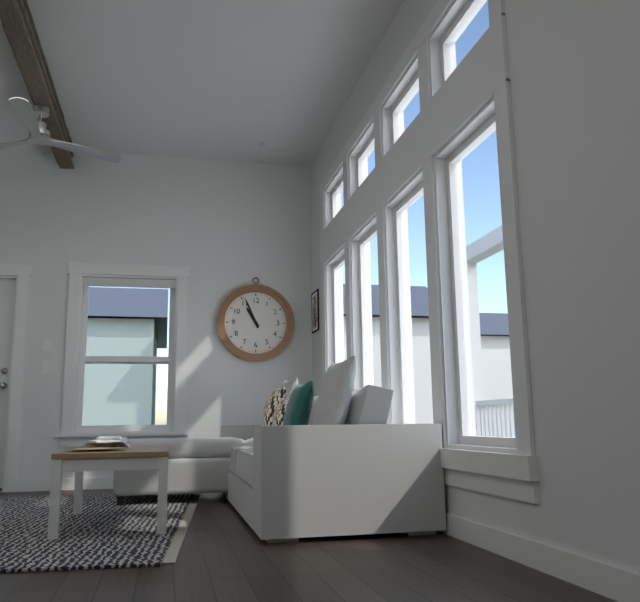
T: 10:56
